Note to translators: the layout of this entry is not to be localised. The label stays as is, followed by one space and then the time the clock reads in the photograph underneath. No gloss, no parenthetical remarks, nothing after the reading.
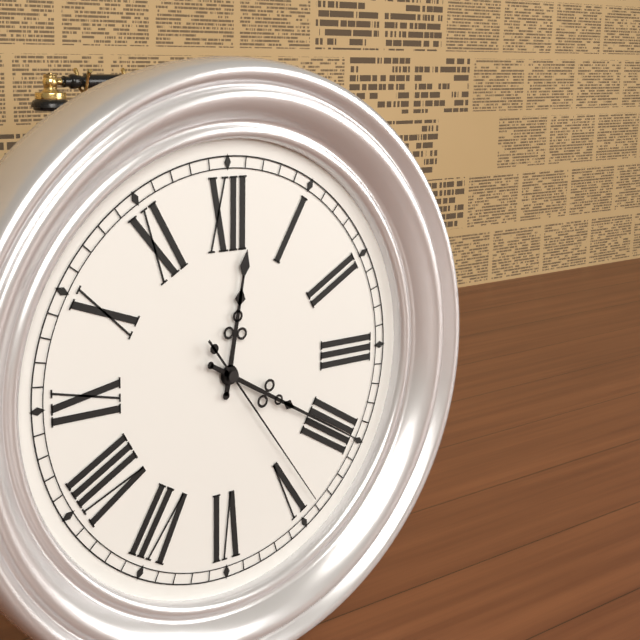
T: 12:20:24
